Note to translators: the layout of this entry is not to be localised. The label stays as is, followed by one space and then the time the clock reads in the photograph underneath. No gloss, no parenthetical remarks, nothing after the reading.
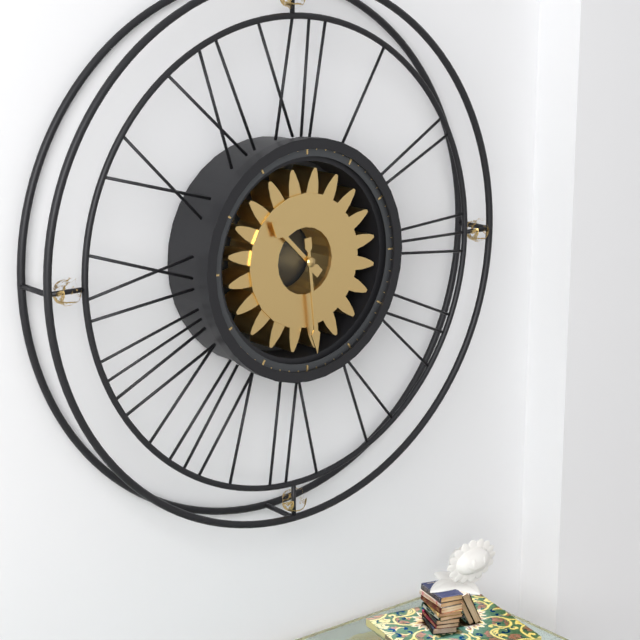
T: 10:29
